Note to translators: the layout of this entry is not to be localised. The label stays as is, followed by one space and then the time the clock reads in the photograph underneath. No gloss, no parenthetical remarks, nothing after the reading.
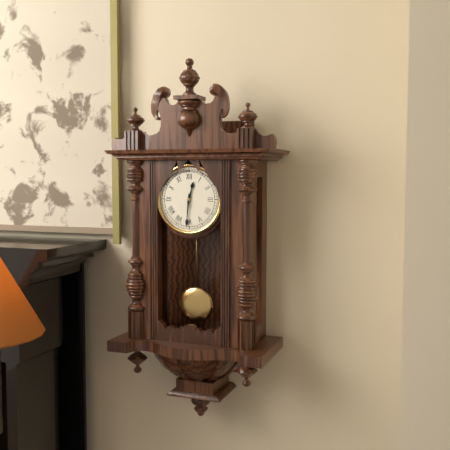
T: 12:31
